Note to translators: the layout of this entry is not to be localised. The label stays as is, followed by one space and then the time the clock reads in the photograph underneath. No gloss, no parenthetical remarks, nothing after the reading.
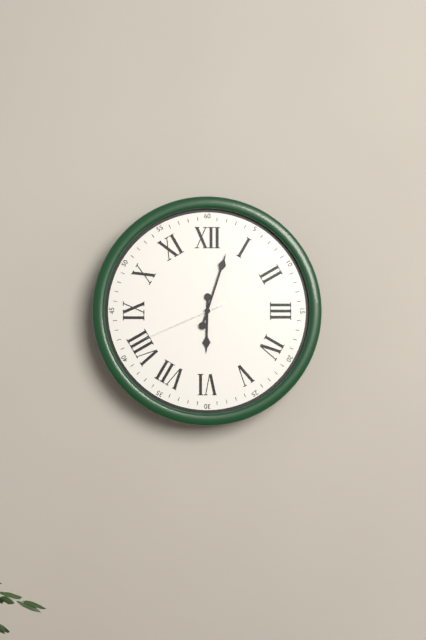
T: 6:03:41
